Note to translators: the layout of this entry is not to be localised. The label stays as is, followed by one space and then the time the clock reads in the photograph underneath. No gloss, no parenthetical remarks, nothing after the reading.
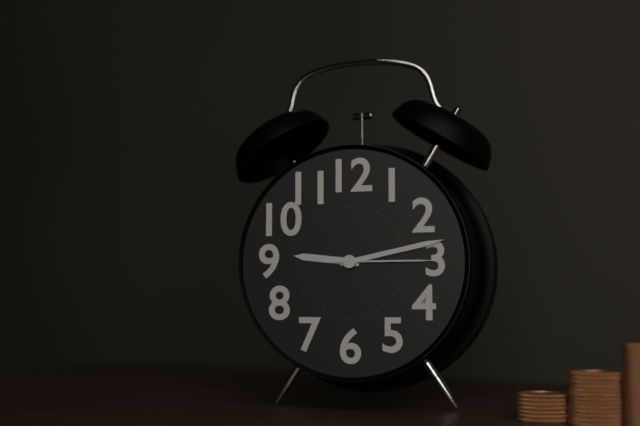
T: 9:13:15
